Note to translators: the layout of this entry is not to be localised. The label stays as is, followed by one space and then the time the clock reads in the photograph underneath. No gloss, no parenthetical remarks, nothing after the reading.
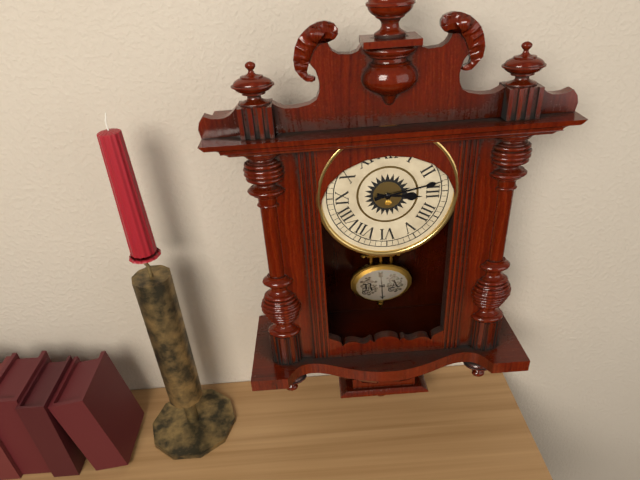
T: 3:13
